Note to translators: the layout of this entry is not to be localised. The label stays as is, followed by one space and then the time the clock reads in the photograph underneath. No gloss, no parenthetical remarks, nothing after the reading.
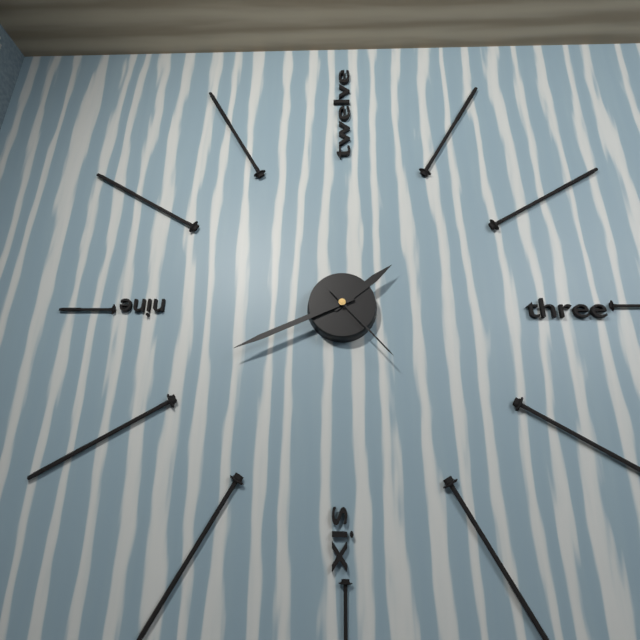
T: 1:41:23
